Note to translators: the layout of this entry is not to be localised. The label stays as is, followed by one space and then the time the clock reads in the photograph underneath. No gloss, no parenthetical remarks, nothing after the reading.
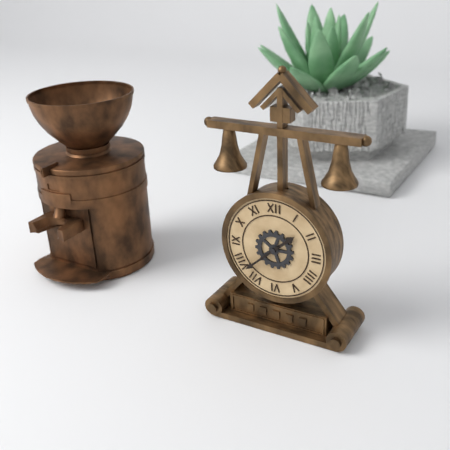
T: 1:38
